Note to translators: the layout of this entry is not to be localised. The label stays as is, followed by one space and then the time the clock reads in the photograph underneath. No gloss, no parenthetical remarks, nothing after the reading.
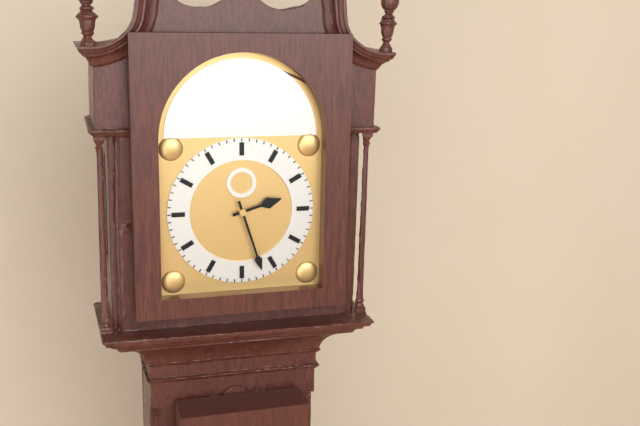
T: 2:27
